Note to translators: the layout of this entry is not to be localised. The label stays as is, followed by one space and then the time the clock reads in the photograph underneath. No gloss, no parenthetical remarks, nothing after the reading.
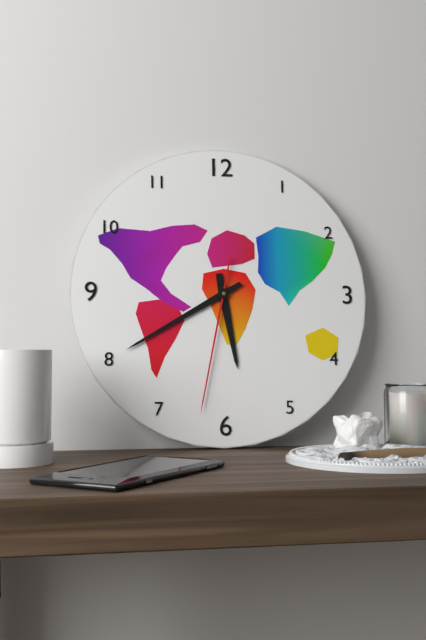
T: 5:40:32
